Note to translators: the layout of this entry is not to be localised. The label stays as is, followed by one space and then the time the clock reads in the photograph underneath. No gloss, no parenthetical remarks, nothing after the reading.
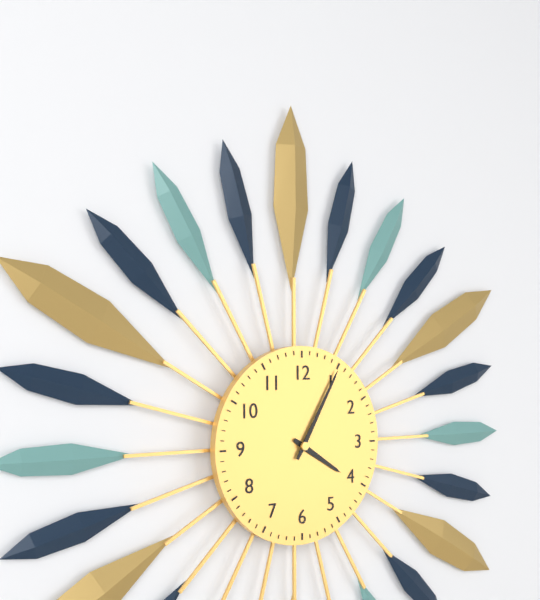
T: 4:05
